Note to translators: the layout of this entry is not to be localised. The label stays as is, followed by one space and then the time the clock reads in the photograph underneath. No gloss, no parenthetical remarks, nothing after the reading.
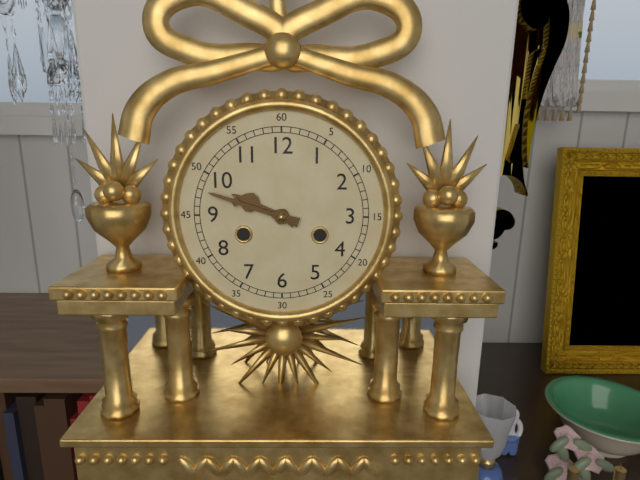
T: 9:48
